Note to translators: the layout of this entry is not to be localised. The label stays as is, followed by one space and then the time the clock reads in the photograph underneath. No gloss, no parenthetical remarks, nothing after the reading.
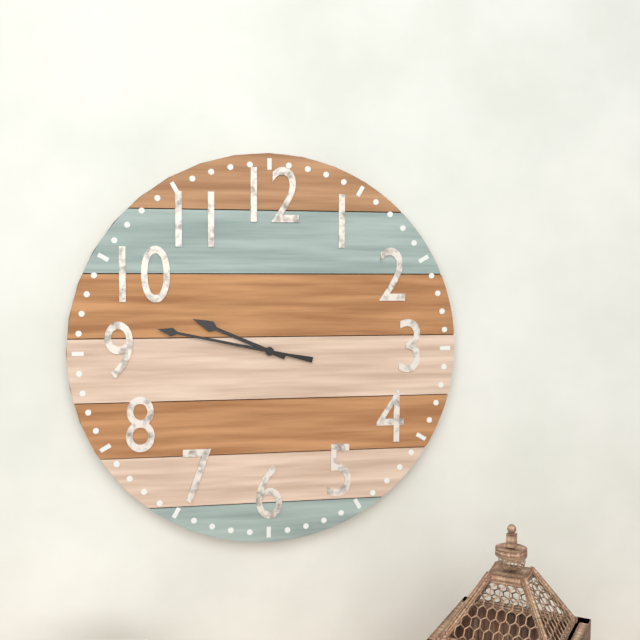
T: 9:47
